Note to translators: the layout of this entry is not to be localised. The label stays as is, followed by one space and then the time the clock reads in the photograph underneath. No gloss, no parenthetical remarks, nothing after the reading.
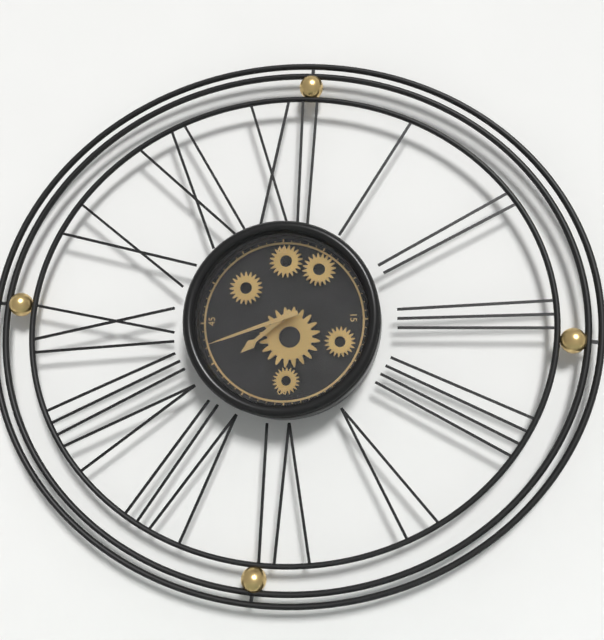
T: 7:42
